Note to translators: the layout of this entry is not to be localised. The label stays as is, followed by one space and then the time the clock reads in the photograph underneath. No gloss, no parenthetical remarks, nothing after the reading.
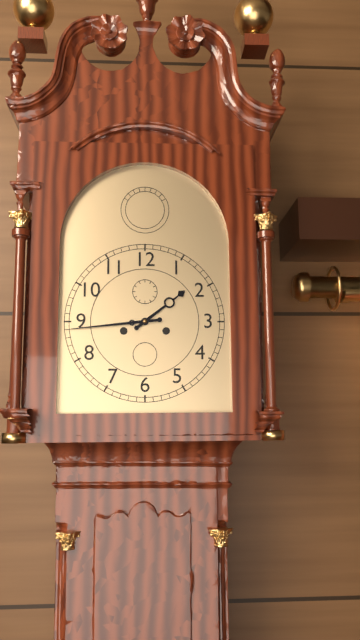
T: 1:44
